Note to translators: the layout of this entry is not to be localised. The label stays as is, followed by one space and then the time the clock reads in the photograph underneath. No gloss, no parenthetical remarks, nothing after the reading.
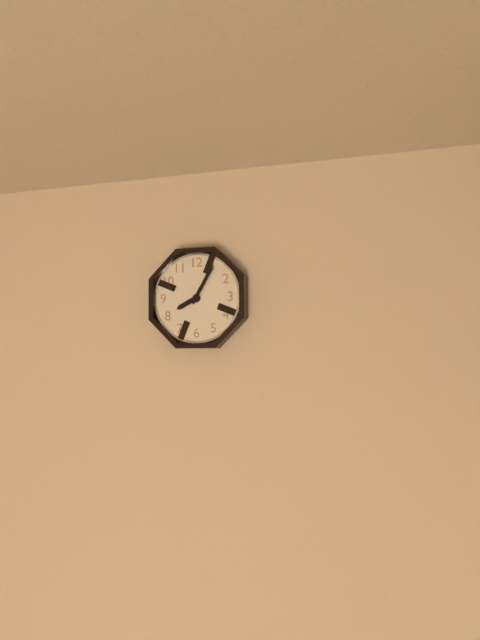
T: 8:05
